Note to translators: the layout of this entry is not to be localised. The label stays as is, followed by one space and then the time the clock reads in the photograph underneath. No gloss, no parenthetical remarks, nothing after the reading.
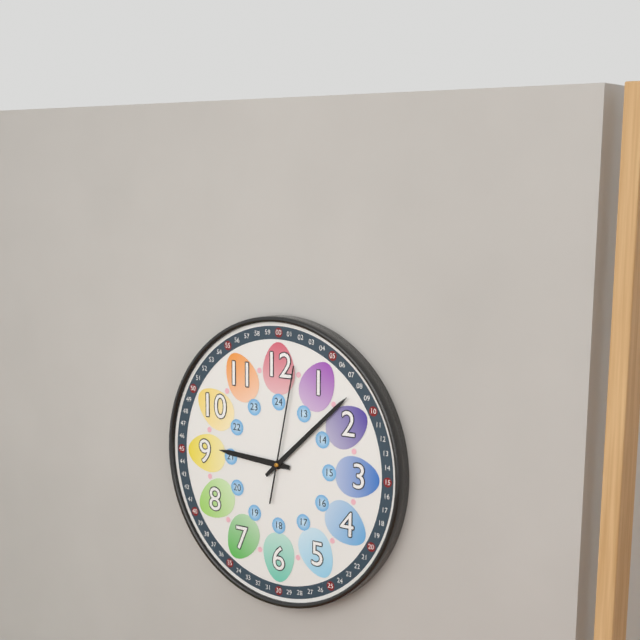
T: 9:08:02
